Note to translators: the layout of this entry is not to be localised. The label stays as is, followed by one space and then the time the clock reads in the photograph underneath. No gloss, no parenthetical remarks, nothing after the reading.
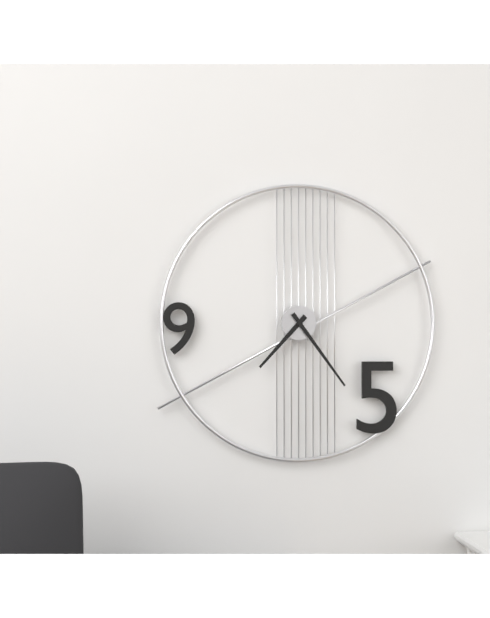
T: 7:24
